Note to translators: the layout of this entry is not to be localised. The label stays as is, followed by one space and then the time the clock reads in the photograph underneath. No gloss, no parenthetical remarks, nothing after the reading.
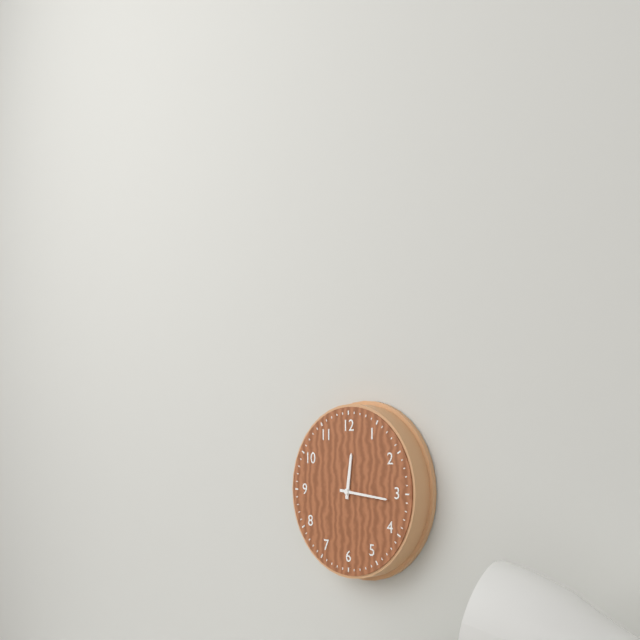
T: 12:16
